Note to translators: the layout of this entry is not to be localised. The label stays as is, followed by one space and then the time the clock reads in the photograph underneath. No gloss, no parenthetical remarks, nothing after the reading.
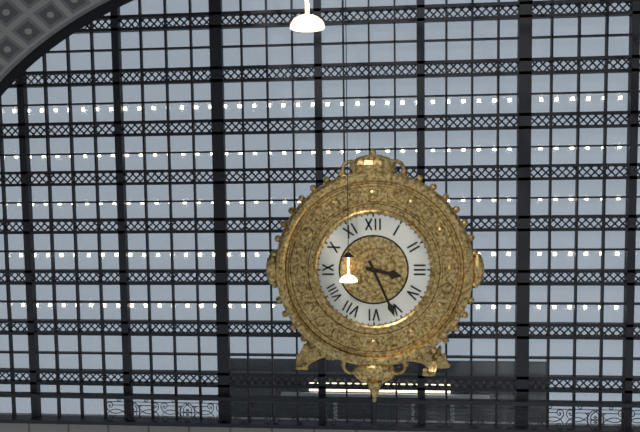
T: 3:26
